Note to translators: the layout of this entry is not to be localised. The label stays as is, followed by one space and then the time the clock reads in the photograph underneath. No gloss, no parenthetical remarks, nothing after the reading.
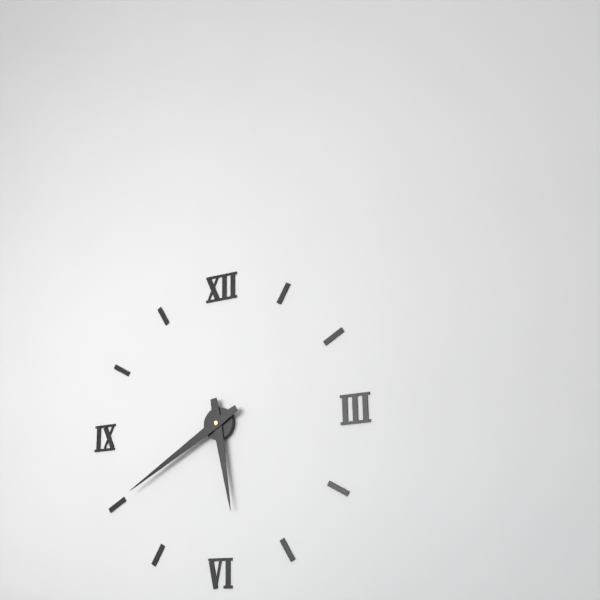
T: 5:40
